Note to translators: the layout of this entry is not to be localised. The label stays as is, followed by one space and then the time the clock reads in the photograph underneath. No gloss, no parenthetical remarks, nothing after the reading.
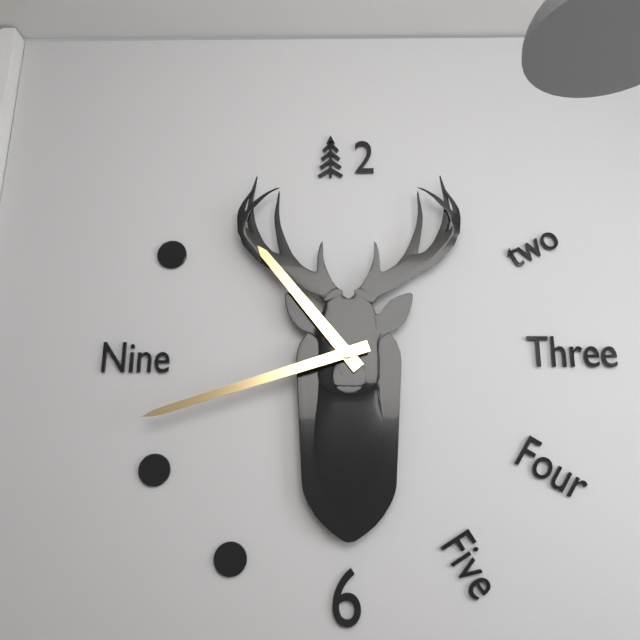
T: 10:42
